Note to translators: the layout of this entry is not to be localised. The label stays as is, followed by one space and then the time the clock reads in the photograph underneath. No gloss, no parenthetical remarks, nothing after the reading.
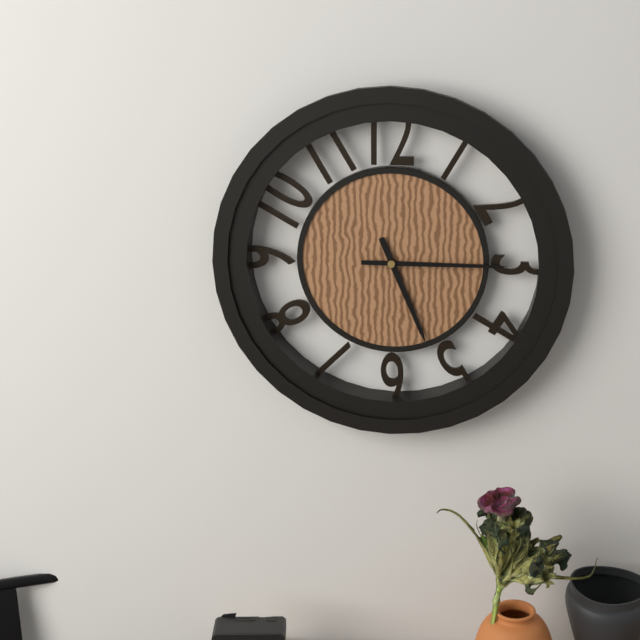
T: 5:15
